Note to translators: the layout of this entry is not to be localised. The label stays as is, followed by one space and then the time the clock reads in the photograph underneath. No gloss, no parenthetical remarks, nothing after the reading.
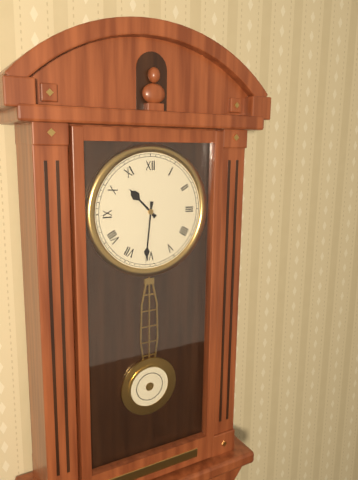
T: 10:31
